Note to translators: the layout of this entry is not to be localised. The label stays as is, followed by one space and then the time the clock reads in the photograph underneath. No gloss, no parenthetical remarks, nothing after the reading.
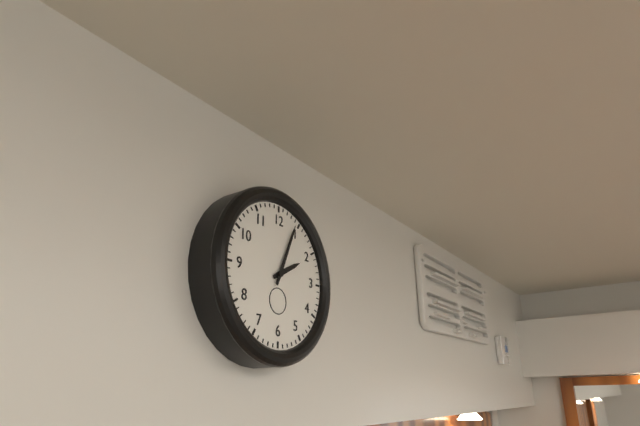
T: 2:04
